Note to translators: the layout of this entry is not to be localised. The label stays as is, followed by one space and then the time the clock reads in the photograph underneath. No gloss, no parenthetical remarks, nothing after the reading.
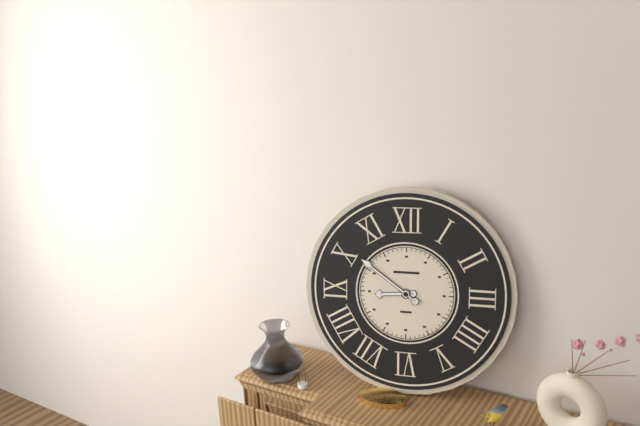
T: 8:51
